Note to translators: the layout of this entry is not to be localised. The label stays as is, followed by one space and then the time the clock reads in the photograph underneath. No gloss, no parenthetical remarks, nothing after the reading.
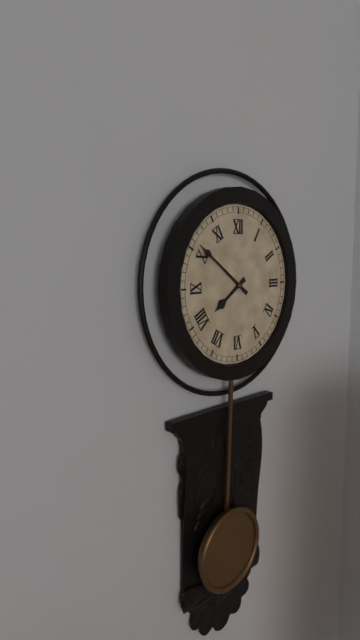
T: 7:51
